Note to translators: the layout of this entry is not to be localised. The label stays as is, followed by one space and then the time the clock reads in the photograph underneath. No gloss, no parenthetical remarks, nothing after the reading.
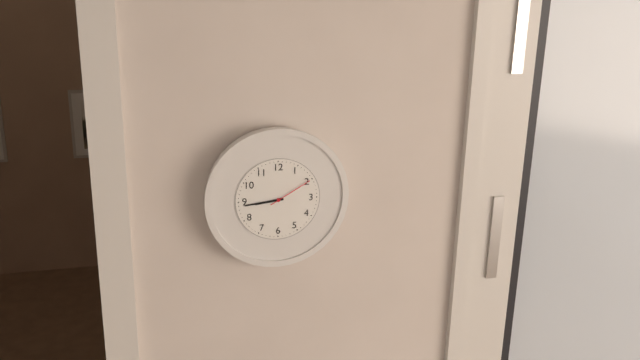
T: 8:44
